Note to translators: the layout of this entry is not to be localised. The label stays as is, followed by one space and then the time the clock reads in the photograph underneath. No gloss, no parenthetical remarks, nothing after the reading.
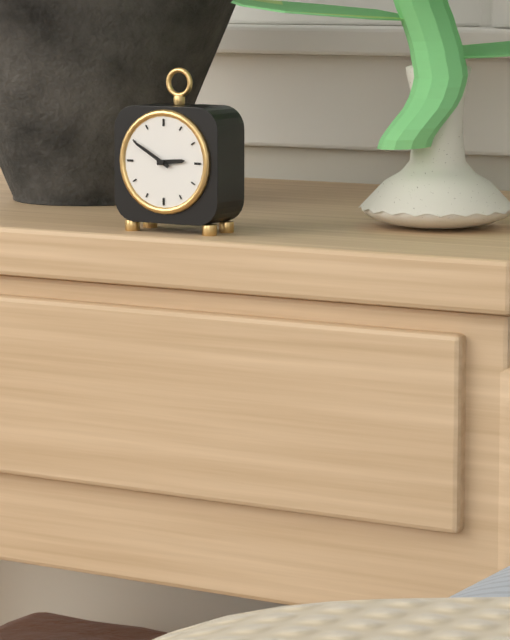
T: 2:50
